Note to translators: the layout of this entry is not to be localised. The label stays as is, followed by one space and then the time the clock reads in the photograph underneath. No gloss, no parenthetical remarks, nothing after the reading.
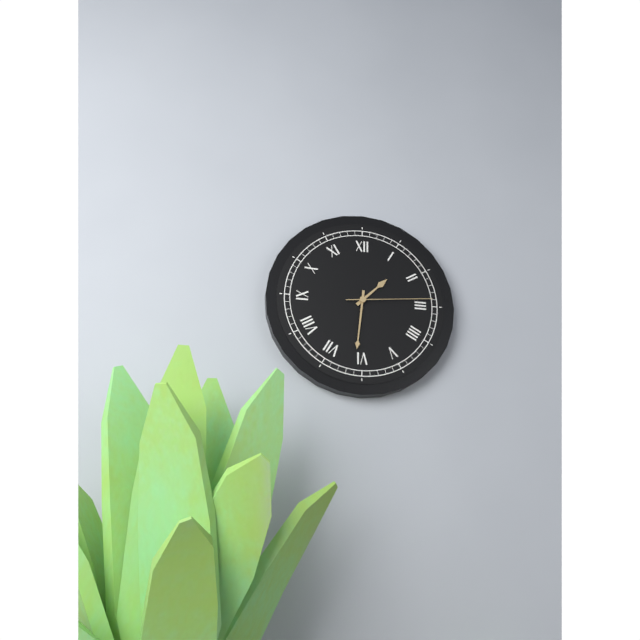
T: 1:31:14
